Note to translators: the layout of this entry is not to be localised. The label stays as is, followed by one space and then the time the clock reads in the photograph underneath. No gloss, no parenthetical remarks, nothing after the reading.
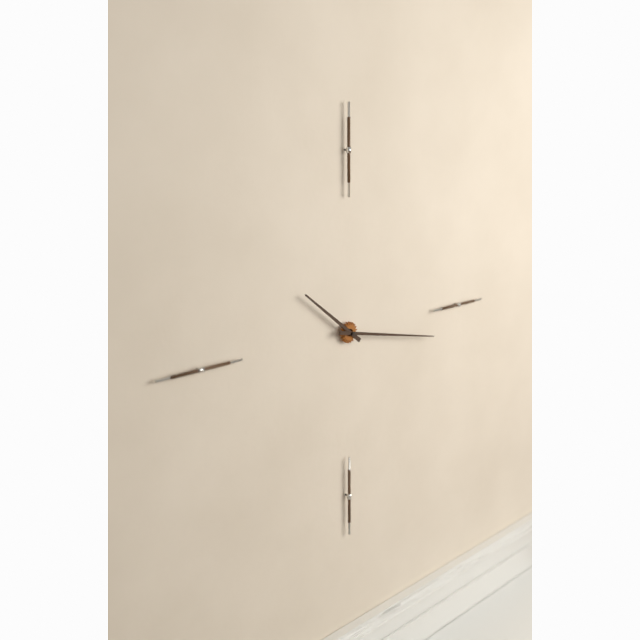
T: 10:17
